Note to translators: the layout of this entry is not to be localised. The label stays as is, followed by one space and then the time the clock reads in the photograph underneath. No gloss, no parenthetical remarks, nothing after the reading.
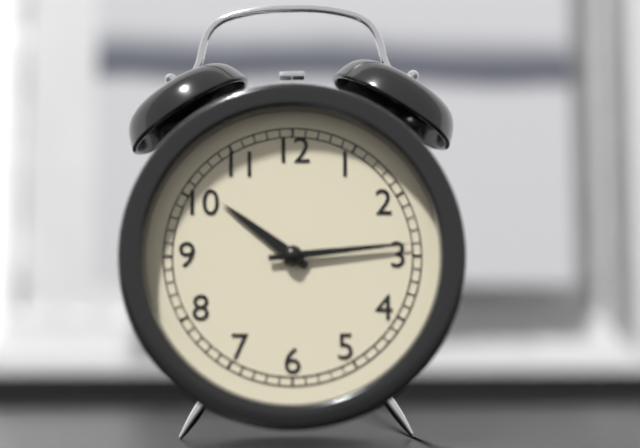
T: 10:14
